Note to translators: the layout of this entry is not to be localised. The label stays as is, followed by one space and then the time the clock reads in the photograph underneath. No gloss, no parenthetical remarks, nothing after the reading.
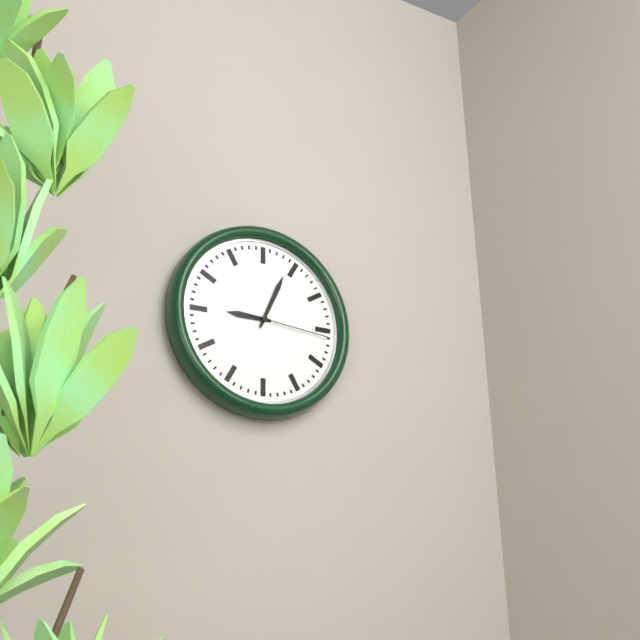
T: 9:04:16
